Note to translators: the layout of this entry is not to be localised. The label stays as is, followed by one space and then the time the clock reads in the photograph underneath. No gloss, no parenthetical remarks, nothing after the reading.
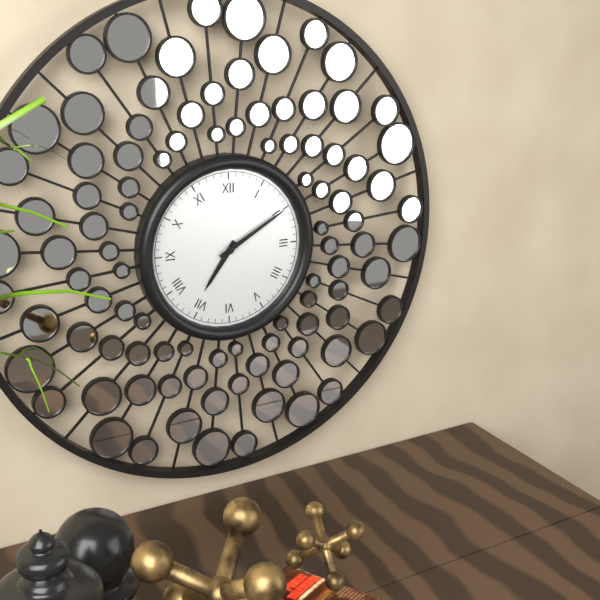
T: 7:10
